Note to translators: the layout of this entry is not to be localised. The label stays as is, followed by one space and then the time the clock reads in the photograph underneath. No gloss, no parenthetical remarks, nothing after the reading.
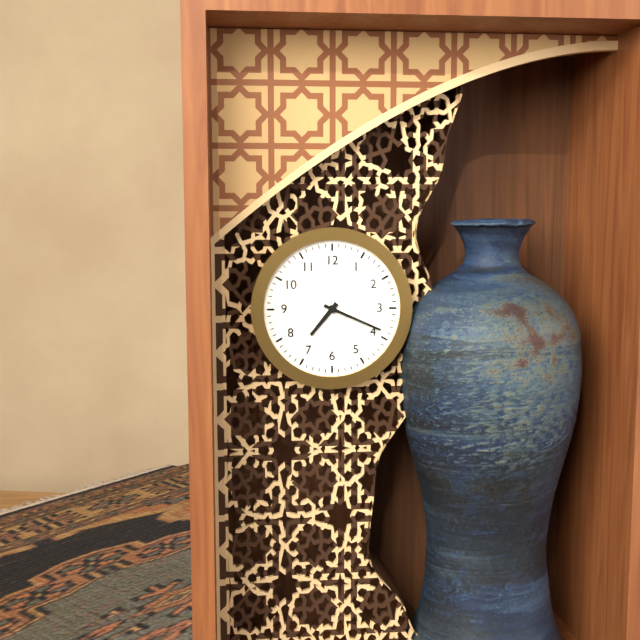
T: 7:19
